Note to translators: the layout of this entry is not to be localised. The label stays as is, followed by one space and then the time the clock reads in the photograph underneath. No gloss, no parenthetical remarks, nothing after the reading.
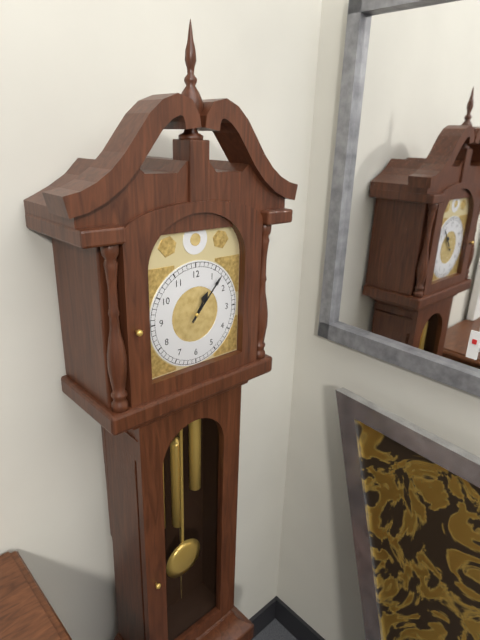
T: 1:07
